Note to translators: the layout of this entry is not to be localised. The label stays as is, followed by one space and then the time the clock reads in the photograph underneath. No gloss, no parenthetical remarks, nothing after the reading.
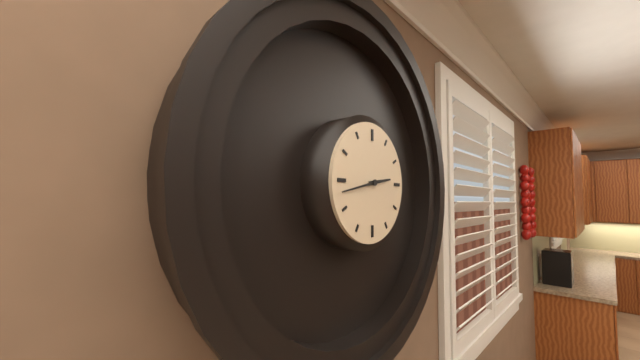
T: 2:43
